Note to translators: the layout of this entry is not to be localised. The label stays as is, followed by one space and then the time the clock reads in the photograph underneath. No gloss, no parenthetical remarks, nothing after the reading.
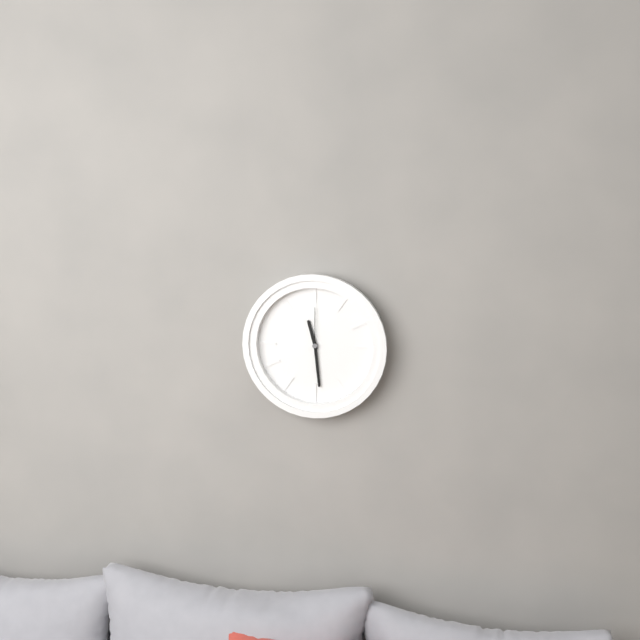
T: 11:29
